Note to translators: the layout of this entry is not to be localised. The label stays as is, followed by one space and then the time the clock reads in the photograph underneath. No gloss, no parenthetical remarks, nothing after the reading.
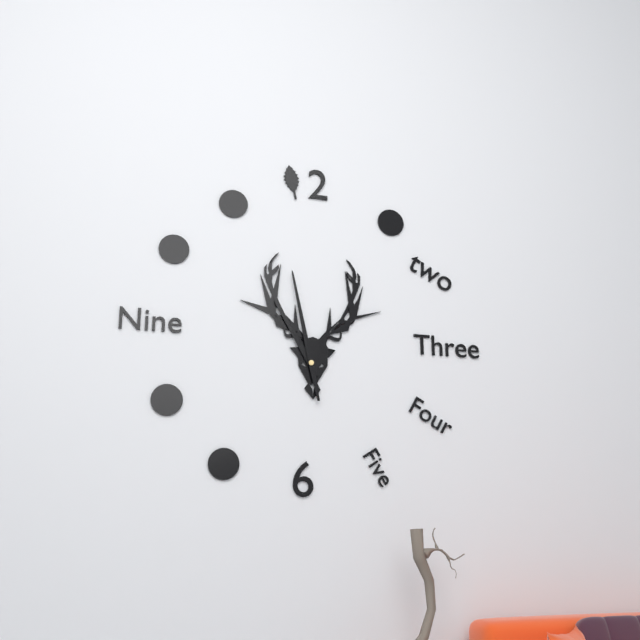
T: 10:58
